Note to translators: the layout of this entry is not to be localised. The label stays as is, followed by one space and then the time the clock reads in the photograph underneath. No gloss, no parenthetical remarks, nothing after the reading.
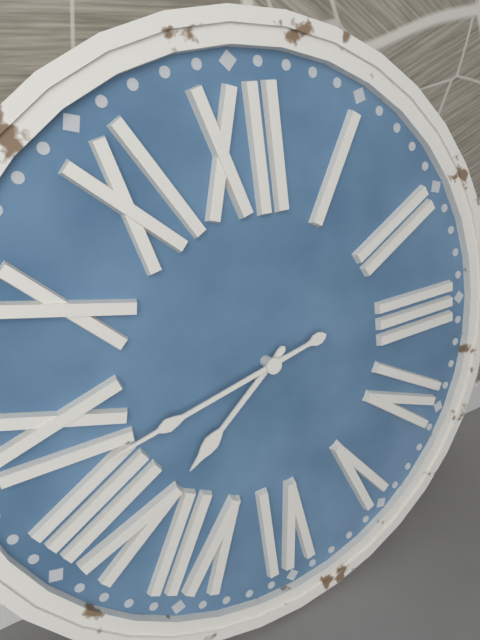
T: 7:43
